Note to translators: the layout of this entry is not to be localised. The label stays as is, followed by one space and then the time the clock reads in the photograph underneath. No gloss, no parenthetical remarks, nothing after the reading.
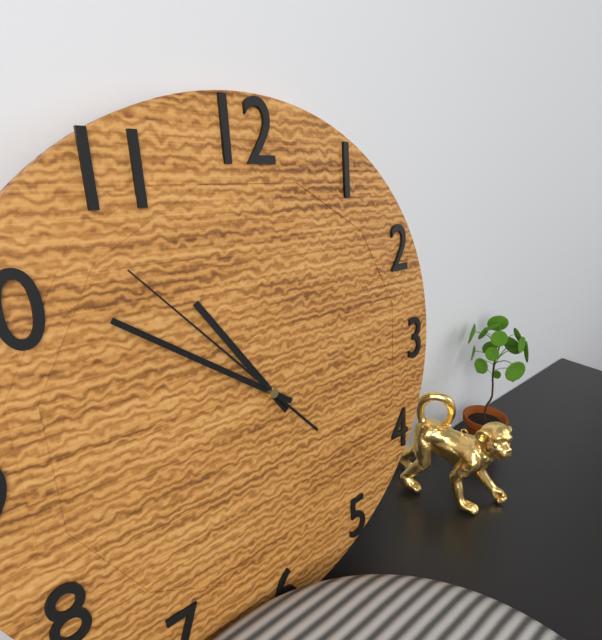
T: 10:51:53
